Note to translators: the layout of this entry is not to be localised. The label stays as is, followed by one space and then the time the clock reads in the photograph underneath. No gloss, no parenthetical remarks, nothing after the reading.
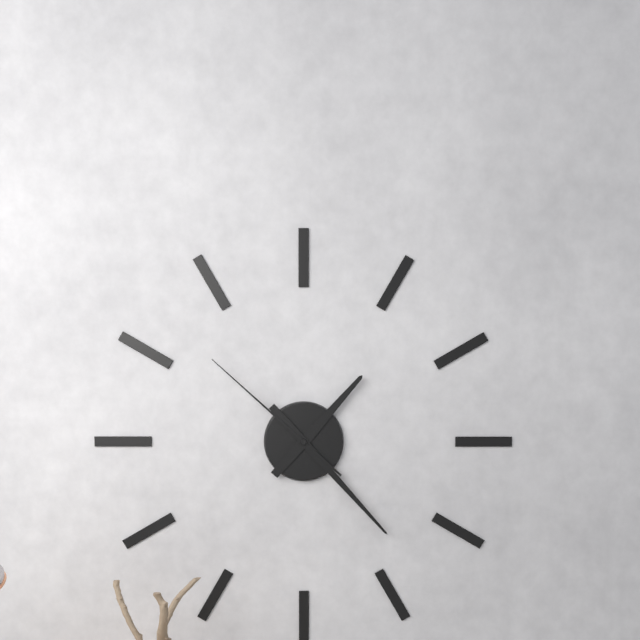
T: 1:23:52
